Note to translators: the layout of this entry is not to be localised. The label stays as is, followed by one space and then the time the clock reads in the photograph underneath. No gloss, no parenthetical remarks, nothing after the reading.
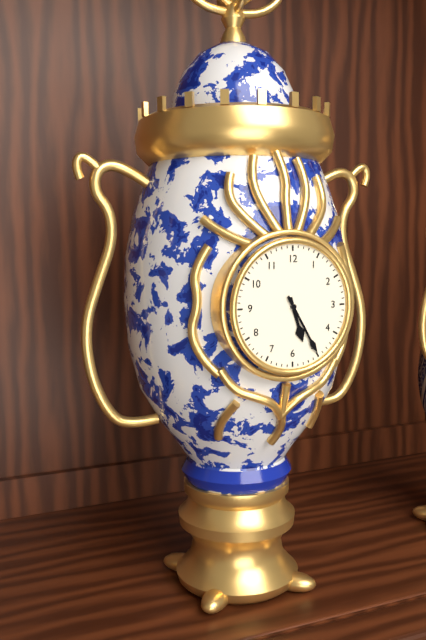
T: 5:25
